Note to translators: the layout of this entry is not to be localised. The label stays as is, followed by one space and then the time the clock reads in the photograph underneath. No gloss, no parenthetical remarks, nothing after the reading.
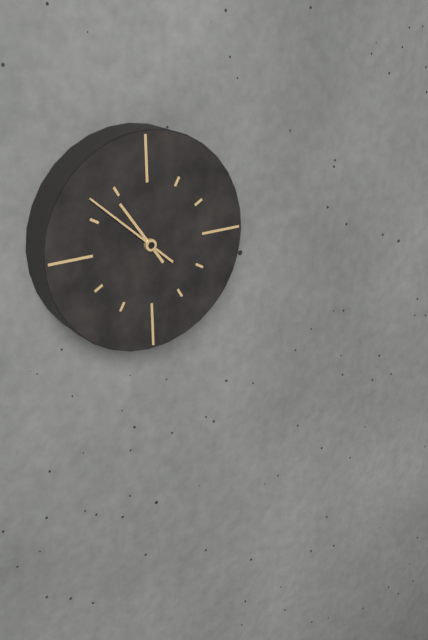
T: 10:52
